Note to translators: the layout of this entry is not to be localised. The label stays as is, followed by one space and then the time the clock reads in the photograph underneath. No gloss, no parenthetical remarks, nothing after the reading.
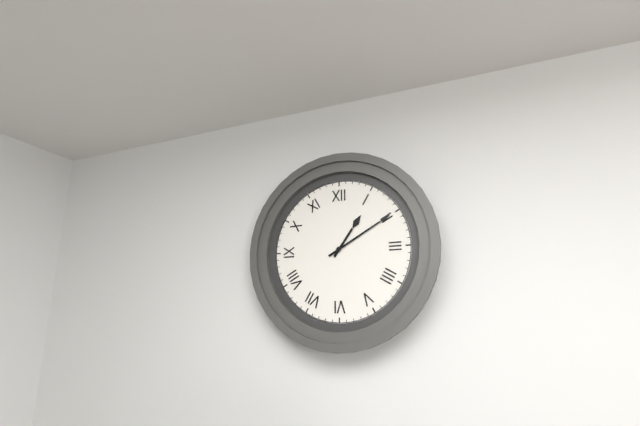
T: 1:10
